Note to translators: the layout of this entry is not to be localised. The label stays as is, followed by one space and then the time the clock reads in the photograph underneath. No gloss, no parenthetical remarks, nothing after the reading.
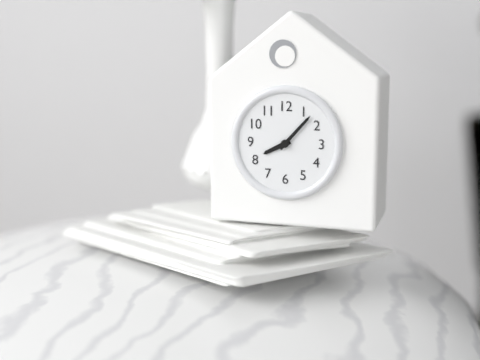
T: 8:07
